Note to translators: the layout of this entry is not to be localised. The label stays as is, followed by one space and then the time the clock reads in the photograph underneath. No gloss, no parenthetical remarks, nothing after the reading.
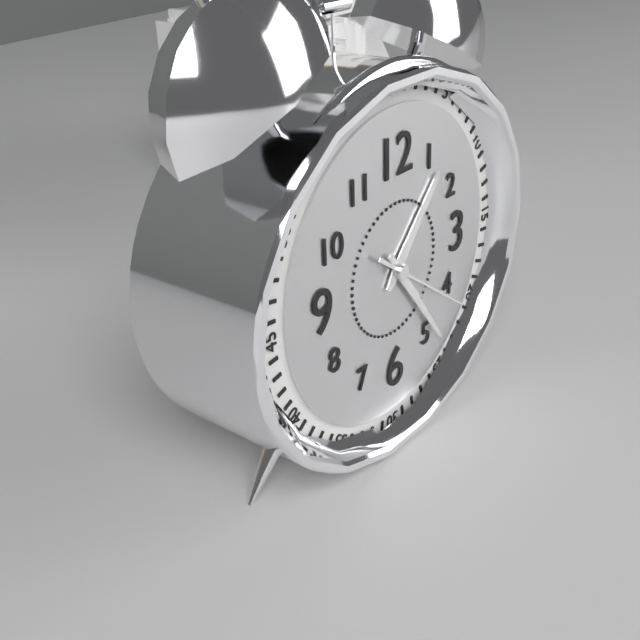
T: 1:24:21
